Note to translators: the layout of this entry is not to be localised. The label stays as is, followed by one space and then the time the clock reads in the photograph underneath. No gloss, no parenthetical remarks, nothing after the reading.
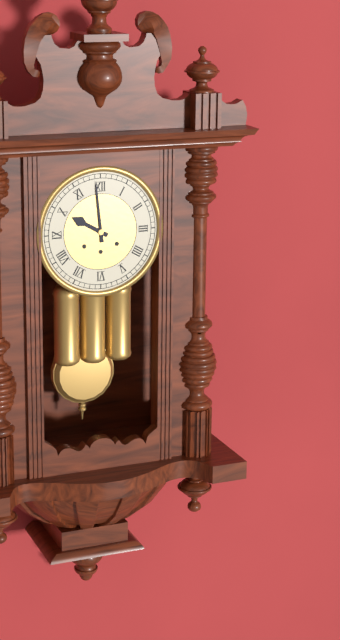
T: 9:59
